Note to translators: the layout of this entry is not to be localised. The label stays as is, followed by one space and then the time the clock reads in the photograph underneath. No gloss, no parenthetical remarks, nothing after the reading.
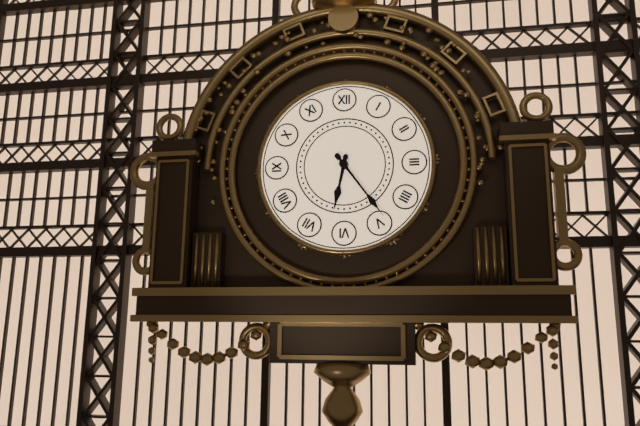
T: 6:24
